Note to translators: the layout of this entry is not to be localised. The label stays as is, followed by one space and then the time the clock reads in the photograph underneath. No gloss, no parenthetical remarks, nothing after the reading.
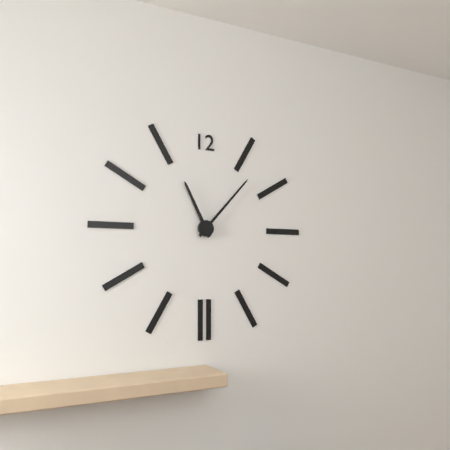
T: 11:07
